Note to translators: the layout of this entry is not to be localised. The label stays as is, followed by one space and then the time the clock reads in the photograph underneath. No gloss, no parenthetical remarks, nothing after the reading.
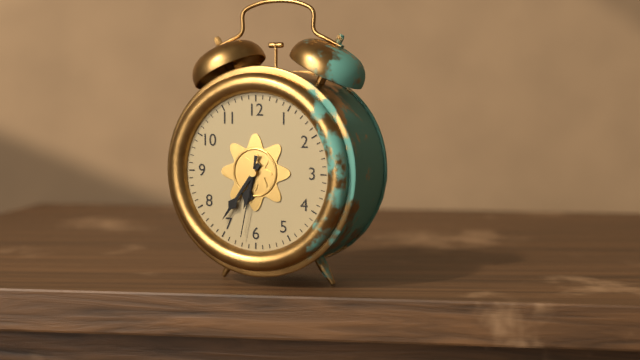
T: 6:36:32
